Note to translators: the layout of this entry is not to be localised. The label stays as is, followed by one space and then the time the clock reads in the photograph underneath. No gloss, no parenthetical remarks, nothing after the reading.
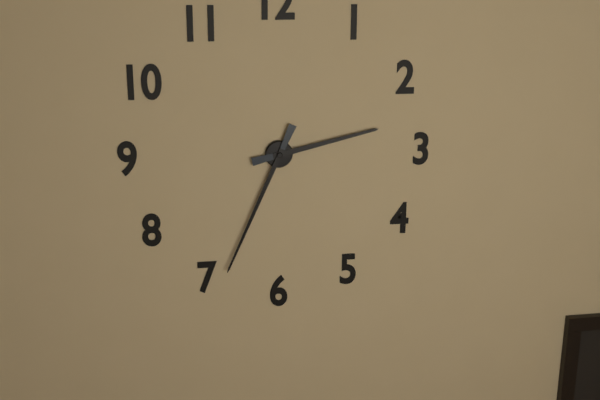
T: 2:34
